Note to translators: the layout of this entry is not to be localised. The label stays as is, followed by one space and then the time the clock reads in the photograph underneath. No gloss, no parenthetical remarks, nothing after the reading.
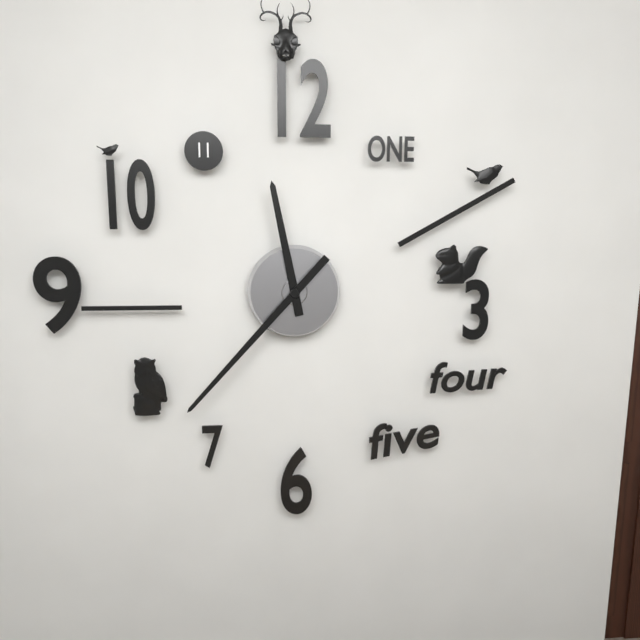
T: 11:37
